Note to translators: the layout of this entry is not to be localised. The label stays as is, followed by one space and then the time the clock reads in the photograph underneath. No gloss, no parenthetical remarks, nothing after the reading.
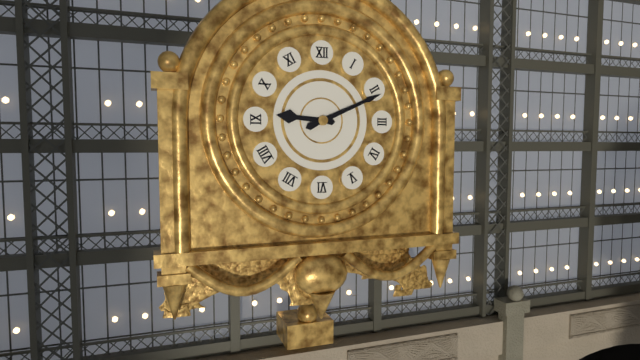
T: 9:11
